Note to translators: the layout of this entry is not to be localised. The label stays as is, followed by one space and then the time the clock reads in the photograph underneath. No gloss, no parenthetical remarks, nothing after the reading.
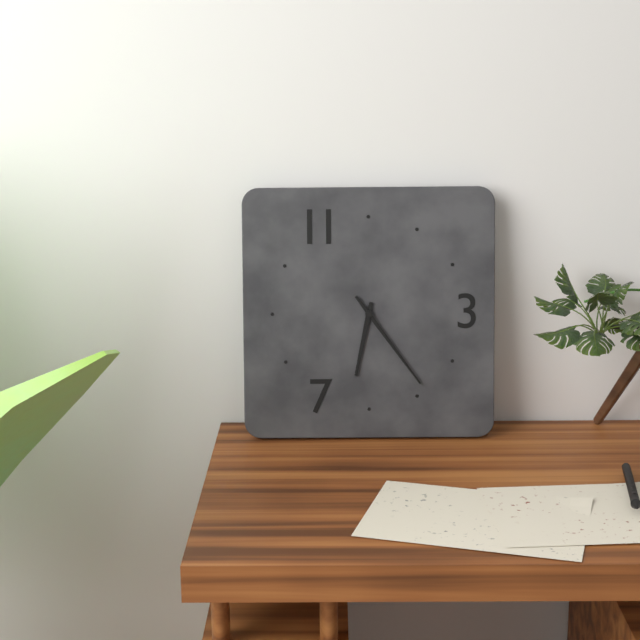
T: 6:24
